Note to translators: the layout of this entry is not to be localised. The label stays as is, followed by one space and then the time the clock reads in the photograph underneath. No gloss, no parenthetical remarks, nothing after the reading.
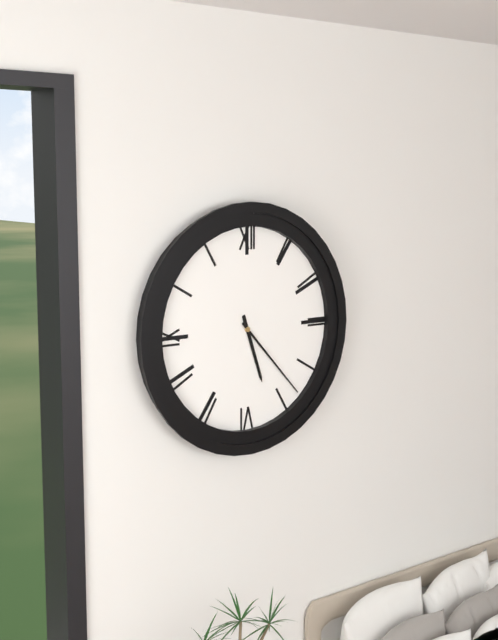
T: 5:23
